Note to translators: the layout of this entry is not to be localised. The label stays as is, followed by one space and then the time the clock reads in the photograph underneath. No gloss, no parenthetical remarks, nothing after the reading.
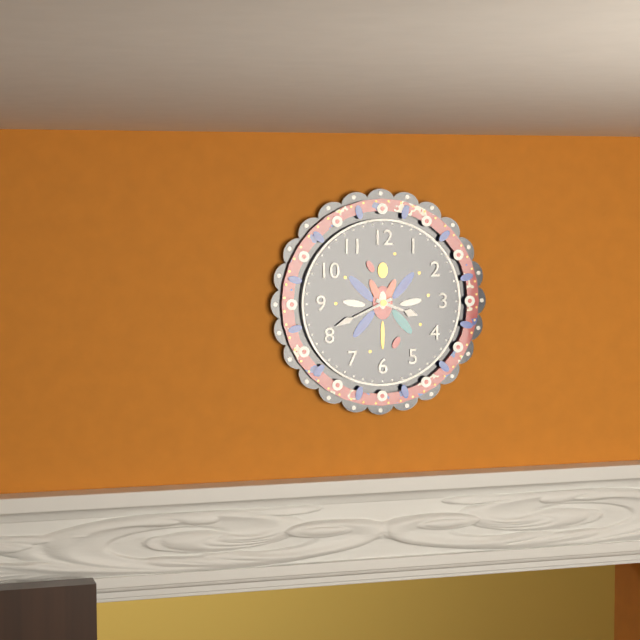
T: 3:41
